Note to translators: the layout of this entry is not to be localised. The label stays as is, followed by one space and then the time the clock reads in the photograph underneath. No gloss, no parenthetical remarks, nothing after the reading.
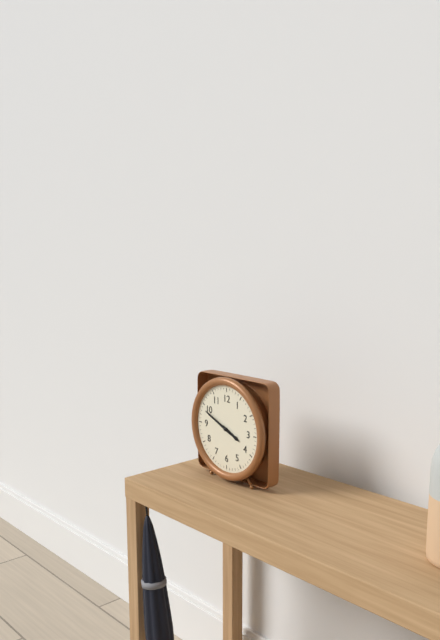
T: 3:49
